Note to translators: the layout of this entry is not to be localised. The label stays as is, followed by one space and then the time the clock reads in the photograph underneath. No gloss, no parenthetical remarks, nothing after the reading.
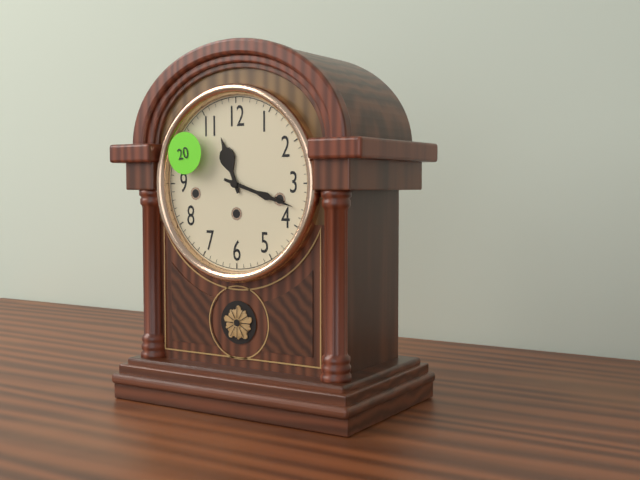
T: 11:18
